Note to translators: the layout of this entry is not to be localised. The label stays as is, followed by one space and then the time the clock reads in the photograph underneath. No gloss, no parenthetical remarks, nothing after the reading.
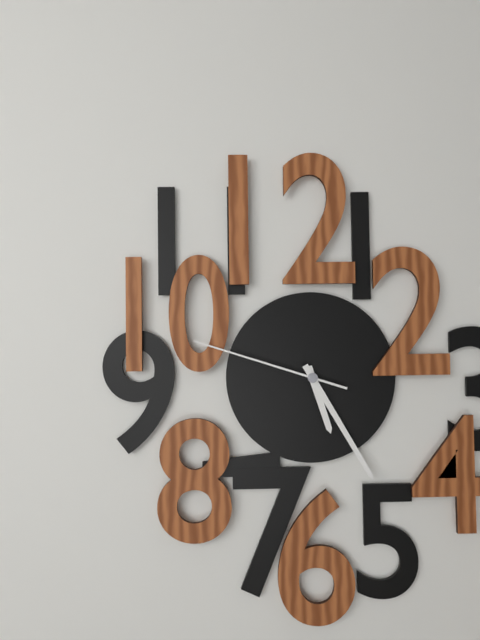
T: 5:25:48
